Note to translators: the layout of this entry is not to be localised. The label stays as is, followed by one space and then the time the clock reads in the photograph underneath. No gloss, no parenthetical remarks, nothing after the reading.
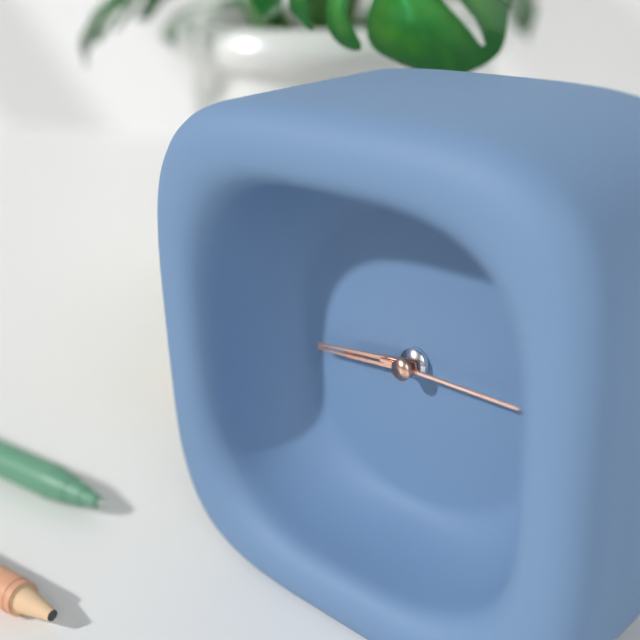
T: 8:44:15
